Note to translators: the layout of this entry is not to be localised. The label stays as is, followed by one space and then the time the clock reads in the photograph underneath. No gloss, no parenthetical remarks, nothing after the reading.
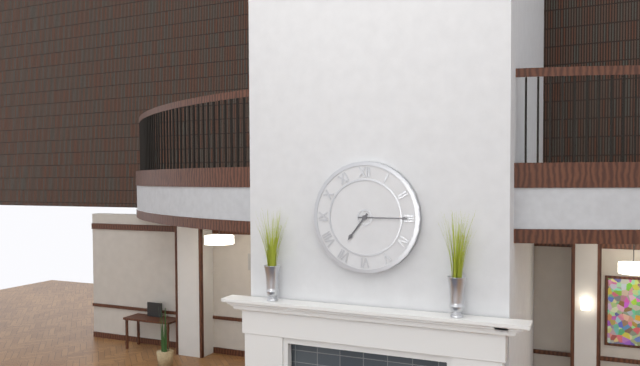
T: 7:15
